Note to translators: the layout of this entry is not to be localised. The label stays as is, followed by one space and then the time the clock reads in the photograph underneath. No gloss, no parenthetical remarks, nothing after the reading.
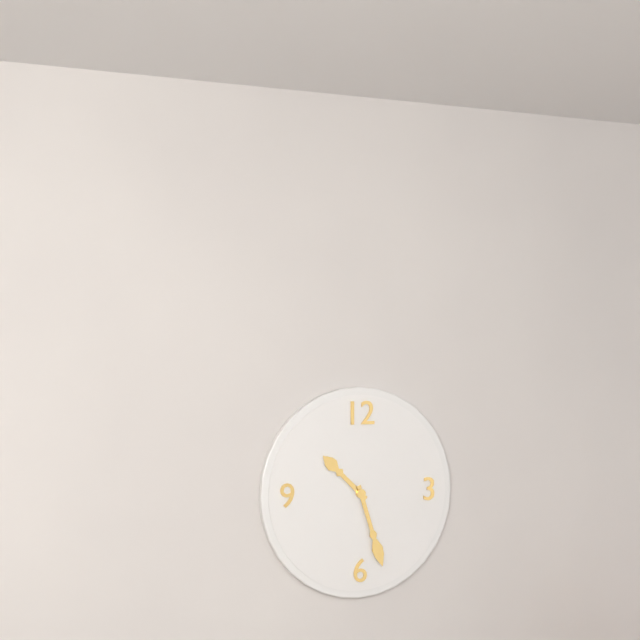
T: 10:27
